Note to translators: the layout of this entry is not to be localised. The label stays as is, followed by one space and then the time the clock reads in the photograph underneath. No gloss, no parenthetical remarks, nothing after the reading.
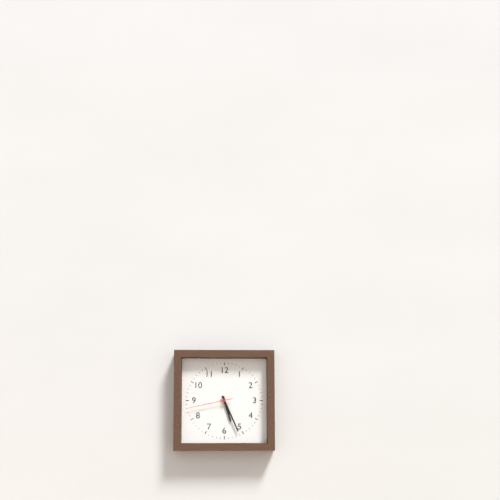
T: 5:26
